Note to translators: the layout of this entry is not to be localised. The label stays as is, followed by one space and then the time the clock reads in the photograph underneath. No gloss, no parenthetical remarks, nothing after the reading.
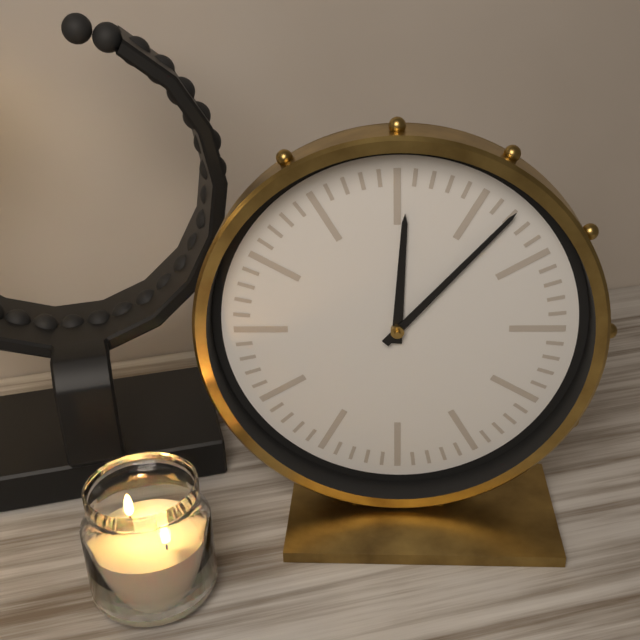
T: 12:07
